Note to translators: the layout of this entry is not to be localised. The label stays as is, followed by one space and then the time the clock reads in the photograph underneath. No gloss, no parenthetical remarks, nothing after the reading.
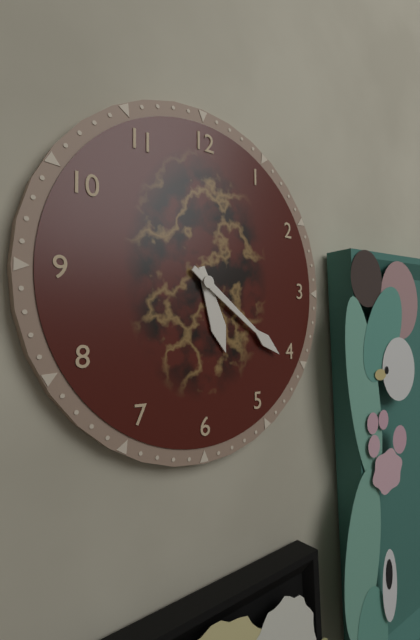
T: 5:21
